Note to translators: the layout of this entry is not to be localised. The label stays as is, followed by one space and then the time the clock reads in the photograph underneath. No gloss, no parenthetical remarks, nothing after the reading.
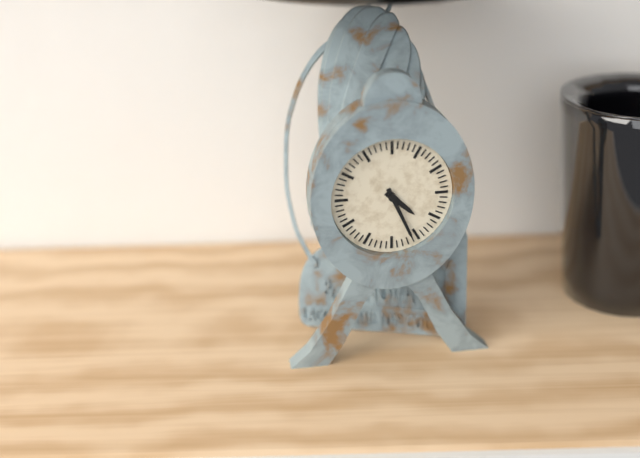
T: 4:26
